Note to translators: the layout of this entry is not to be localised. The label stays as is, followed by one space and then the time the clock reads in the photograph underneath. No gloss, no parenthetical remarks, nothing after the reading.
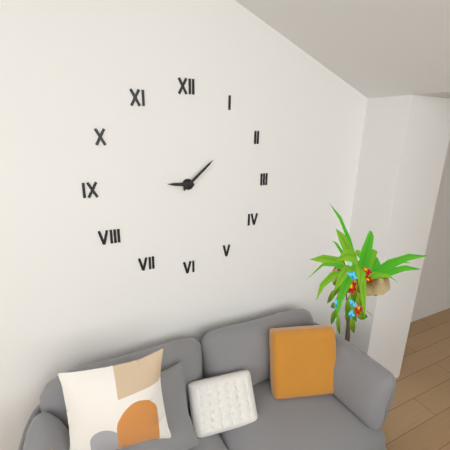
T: 9:08
